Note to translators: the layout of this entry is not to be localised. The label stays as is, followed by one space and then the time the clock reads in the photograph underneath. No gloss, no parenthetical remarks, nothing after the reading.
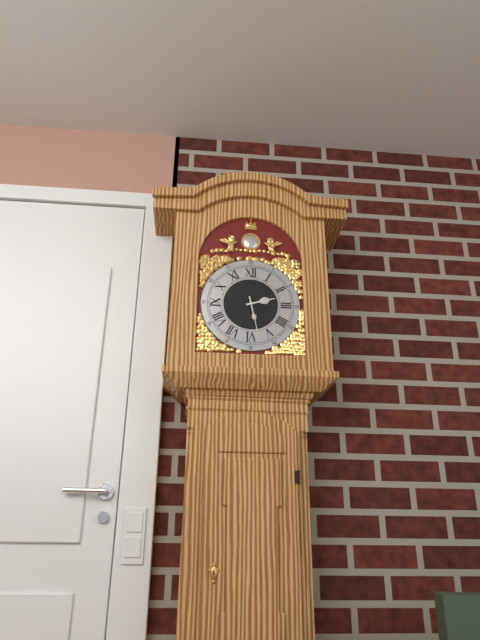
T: 2:28
